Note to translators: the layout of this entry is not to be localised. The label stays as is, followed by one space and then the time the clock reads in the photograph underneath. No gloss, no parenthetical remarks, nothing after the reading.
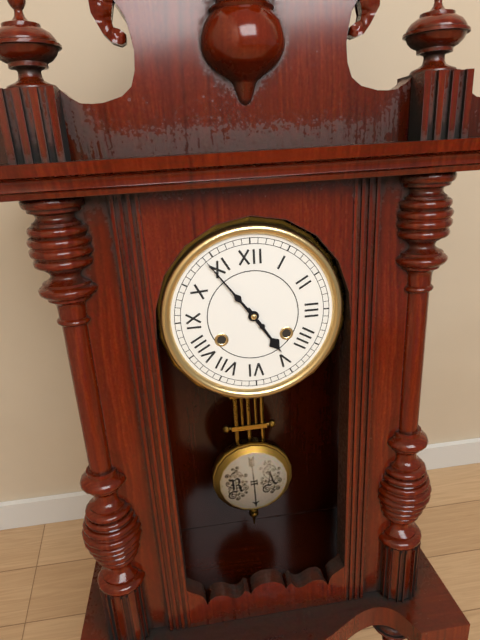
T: 4:54
